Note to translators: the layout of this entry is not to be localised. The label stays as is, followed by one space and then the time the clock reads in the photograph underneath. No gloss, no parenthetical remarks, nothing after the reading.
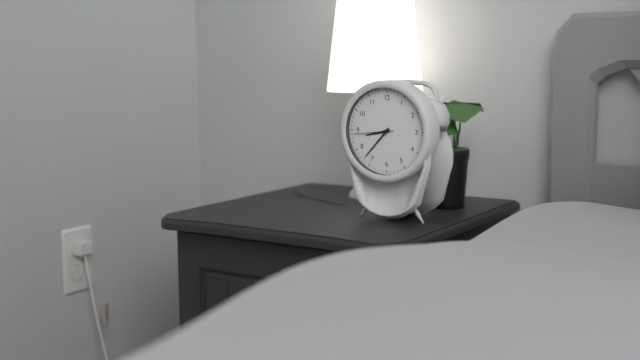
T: 8:37
